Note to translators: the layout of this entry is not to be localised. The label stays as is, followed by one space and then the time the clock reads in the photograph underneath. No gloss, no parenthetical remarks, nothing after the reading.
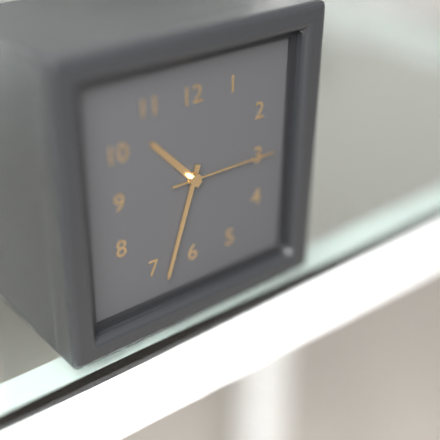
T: 10:33:15
